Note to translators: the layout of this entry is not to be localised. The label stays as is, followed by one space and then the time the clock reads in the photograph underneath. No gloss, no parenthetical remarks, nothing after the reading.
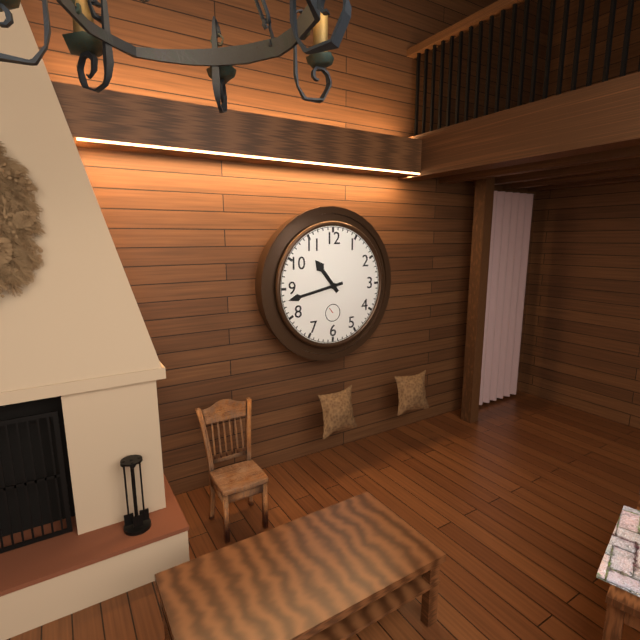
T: 10:43
